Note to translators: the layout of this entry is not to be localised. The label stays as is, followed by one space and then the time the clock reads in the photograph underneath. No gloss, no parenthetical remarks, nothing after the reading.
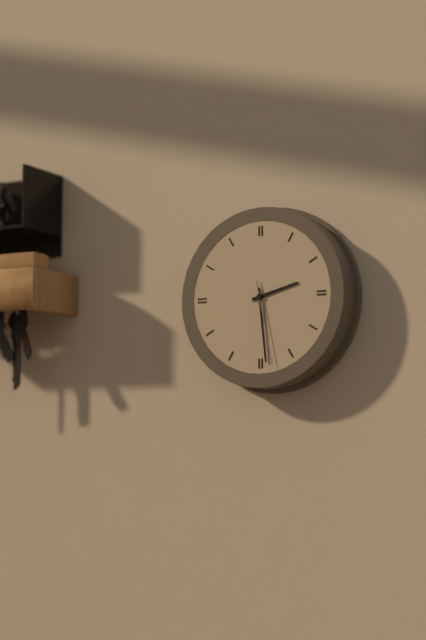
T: 2:29:28
